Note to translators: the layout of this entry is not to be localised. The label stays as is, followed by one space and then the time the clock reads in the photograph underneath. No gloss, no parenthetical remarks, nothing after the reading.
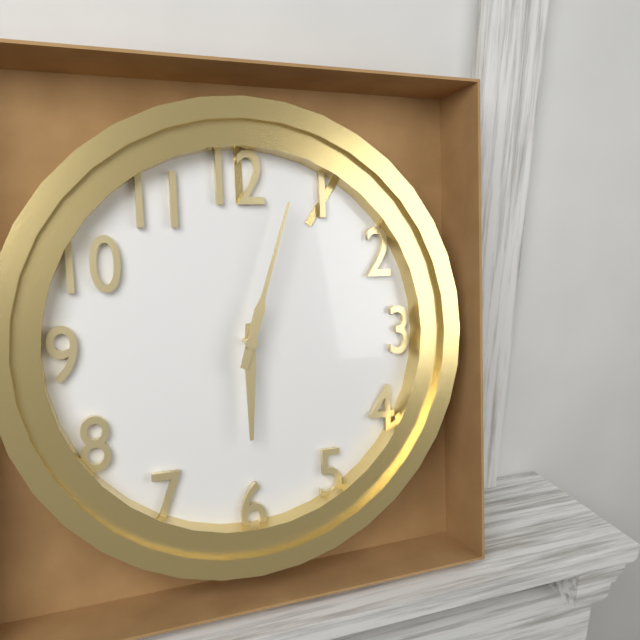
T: 6:03
